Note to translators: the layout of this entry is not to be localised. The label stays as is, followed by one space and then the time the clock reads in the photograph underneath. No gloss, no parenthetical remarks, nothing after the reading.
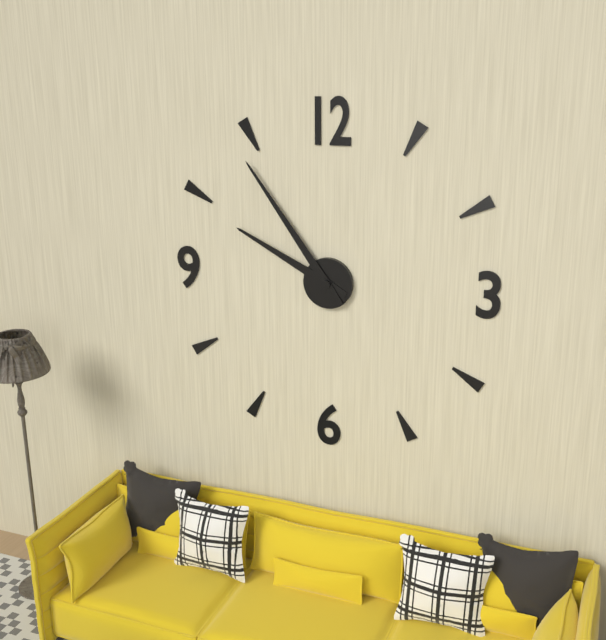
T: 9:54
